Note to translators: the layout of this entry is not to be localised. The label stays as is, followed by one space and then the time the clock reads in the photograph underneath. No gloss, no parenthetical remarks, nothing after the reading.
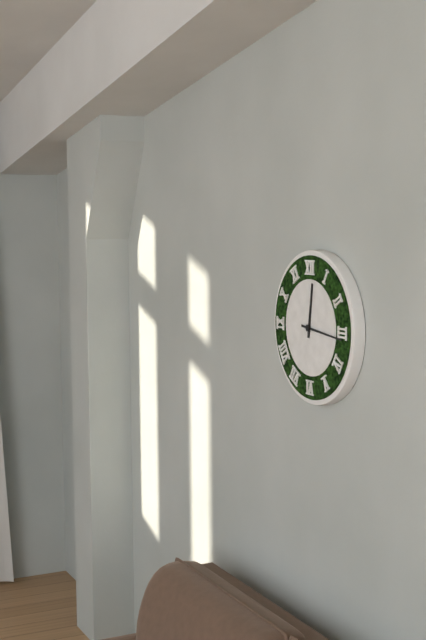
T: 12:16
